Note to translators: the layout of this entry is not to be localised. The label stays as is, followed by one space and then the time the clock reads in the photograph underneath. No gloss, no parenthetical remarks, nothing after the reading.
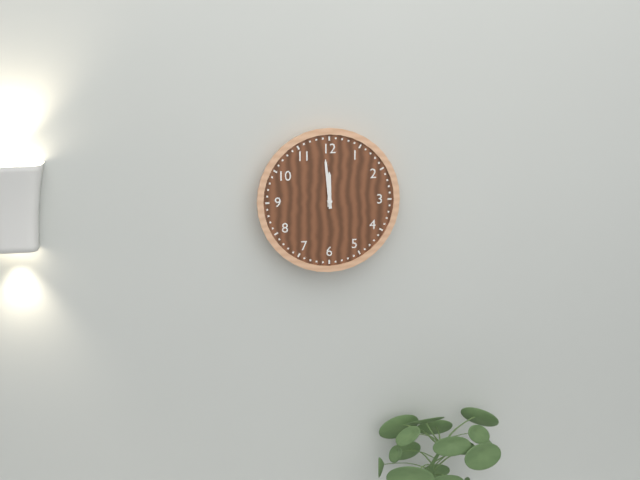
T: 11:59
